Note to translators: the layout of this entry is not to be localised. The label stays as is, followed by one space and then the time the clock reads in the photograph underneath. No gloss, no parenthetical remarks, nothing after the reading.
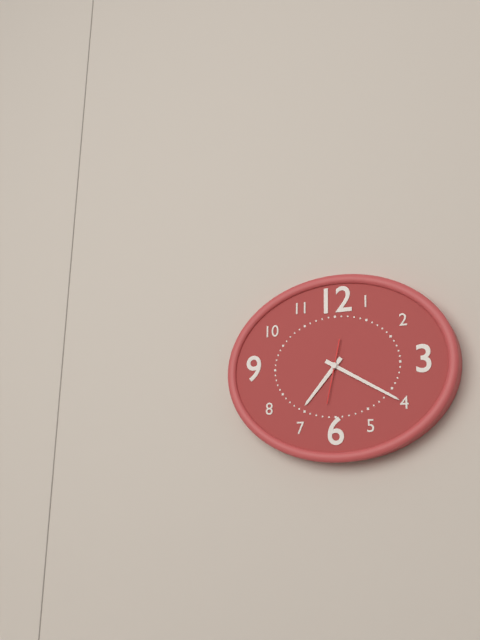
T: 7:20
